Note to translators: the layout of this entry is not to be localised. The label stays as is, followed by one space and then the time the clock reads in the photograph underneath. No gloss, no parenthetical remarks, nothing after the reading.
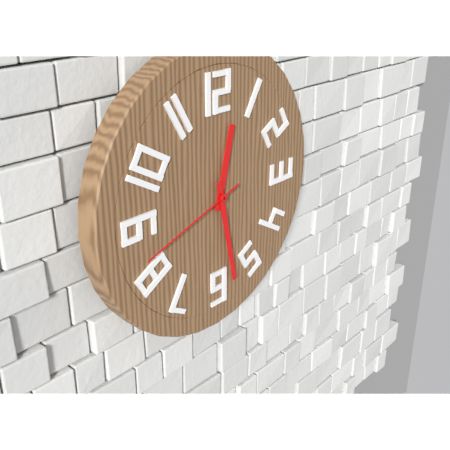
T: 12:28:42
